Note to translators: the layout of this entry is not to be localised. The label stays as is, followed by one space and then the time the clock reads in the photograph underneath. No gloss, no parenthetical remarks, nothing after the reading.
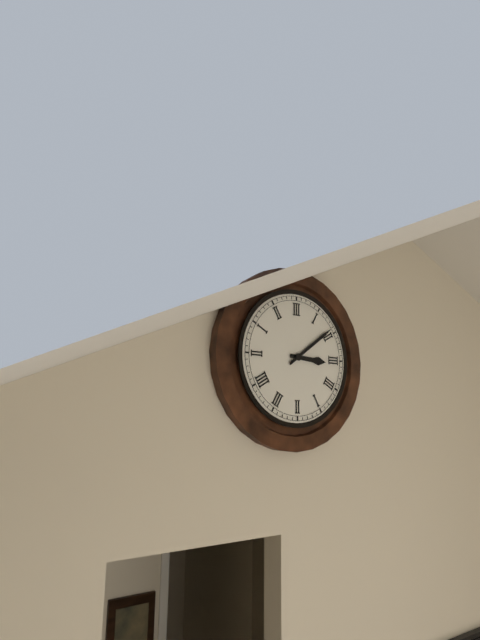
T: 3:09
